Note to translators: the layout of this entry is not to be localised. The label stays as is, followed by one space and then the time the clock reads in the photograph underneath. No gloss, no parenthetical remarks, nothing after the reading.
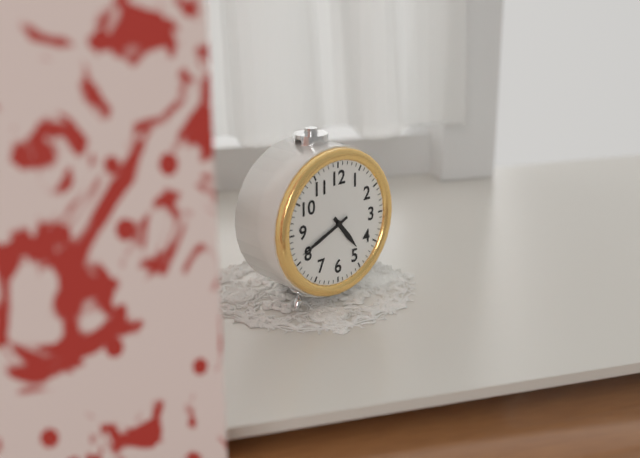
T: 4:41
